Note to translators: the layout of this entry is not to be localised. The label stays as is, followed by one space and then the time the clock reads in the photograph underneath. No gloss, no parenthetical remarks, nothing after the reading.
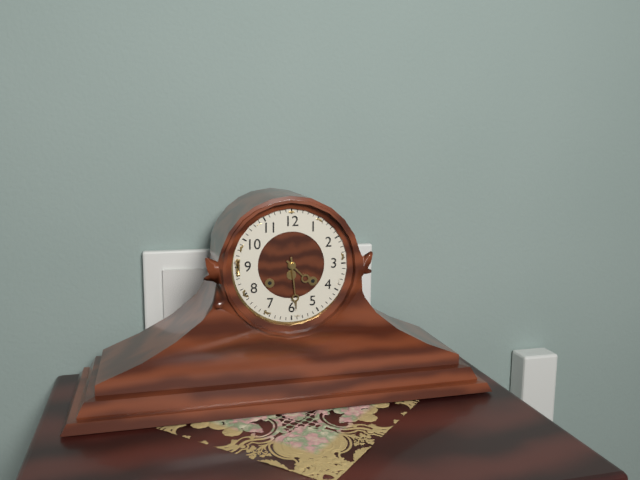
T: 4:29
